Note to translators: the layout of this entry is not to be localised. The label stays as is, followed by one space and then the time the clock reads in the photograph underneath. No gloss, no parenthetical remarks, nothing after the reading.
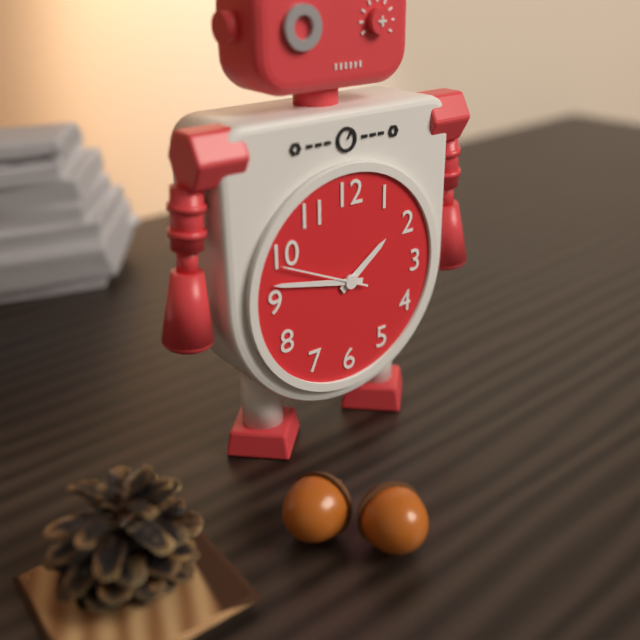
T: 1:47:49
